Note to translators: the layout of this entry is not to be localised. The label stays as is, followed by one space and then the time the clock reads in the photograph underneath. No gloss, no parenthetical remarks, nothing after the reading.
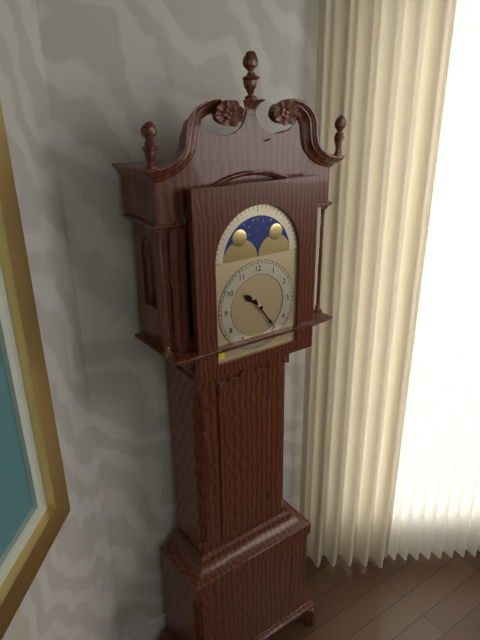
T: 10:24
